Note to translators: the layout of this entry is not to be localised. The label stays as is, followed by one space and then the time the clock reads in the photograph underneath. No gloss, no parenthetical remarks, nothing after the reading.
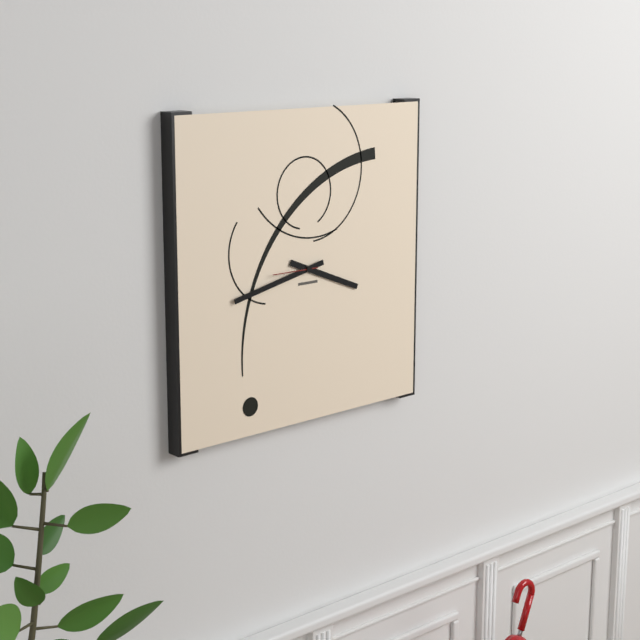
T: 3:43
